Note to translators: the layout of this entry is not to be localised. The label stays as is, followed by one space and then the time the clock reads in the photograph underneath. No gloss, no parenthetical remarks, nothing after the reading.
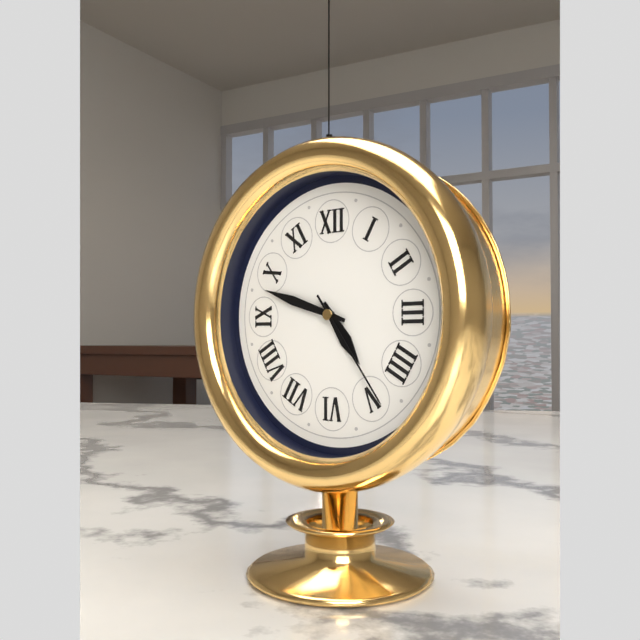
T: 4:48:24
